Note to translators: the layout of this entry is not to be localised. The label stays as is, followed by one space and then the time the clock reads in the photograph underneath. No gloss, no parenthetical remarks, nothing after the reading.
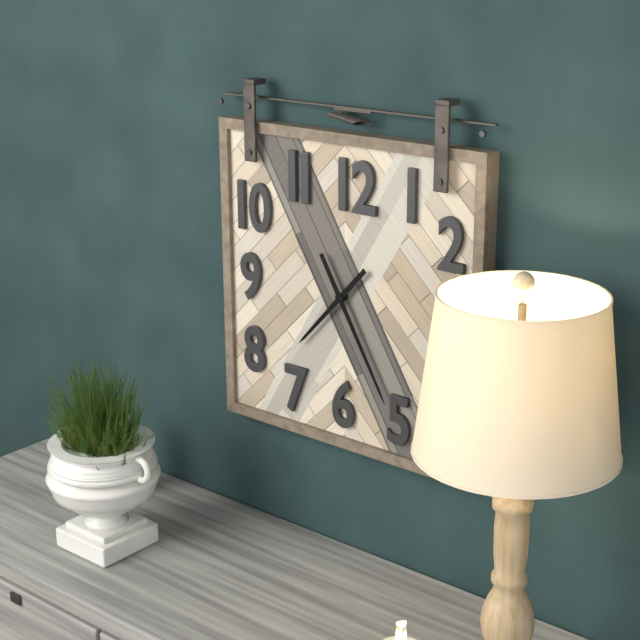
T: 7:25
